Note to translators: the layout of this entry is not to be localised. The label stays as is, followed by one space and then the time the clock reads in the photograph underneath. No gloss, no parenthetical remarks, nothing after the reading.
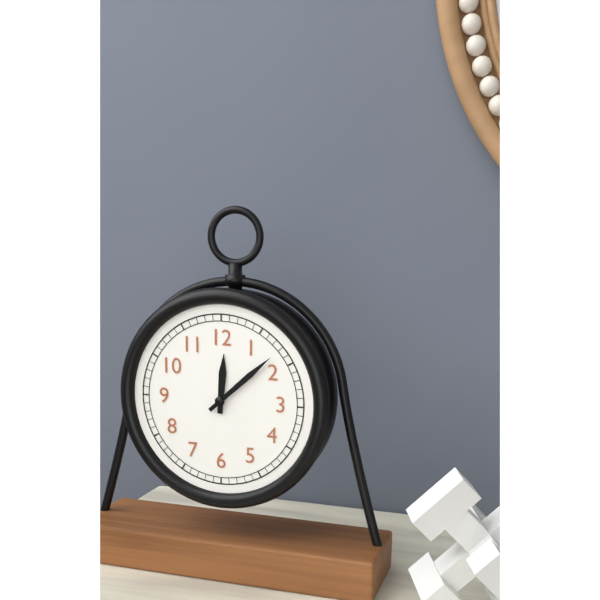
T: 12:08
